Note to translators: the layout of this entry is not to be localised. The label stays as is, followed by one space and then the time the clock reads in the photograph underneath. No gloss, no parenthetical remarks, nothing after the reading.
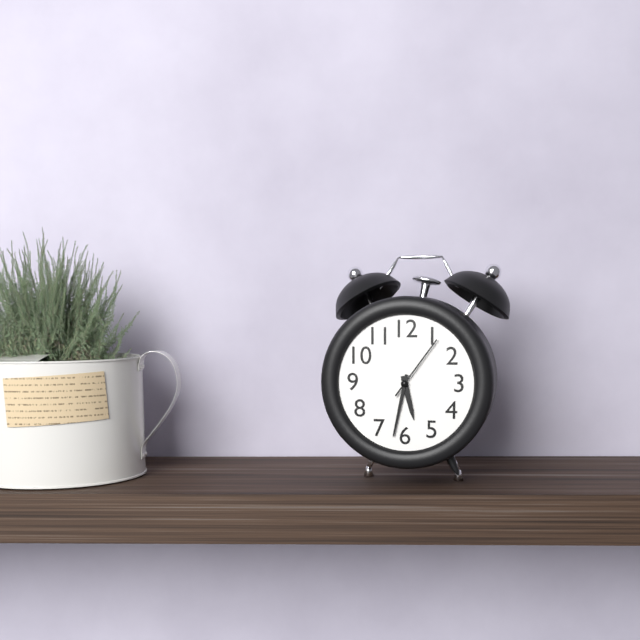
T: 5:32:06
